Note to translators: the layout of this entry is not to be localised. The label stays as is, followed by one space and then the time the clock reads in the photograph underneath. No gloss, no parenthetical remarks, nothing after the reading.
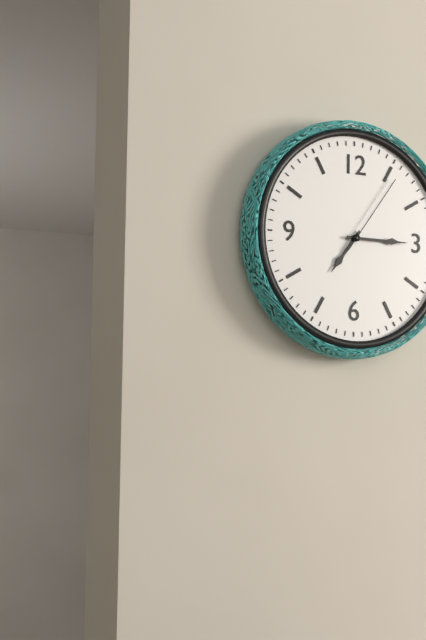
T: 7:15:06
